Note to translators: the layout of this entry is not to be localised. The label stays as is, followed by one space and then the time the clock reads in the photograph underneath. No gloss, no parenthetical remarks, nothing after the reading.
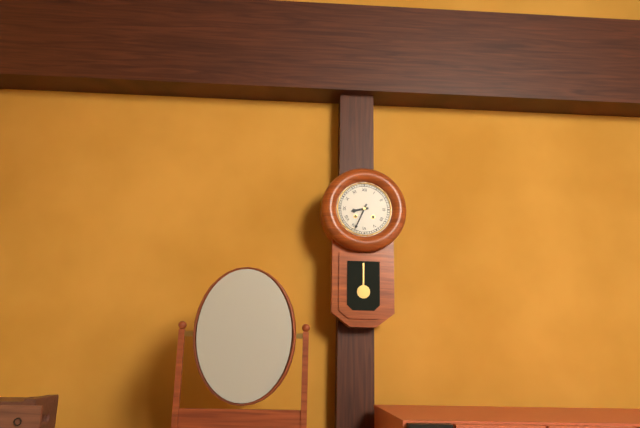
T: 8:34
